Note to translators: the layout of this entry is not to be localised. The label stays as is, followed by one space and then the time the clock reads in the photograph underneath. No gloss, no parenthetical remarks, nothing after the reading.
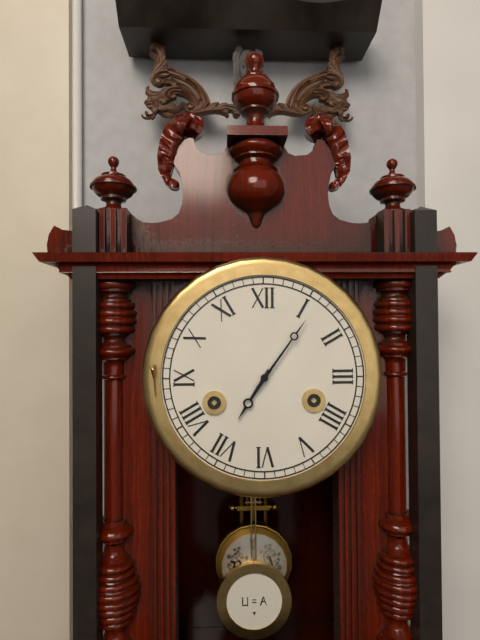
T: 7:06
